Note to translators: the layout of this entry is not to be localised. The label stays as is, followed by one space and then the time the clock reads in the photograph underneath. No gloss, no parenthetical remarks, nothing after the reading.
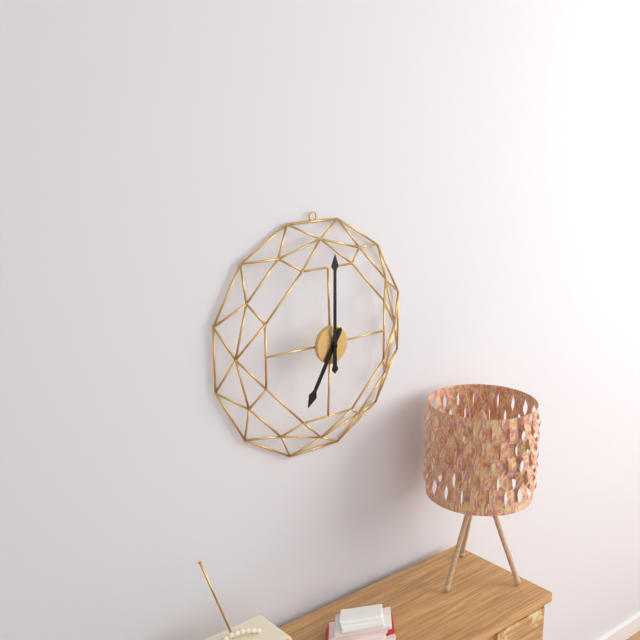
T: 7:00
